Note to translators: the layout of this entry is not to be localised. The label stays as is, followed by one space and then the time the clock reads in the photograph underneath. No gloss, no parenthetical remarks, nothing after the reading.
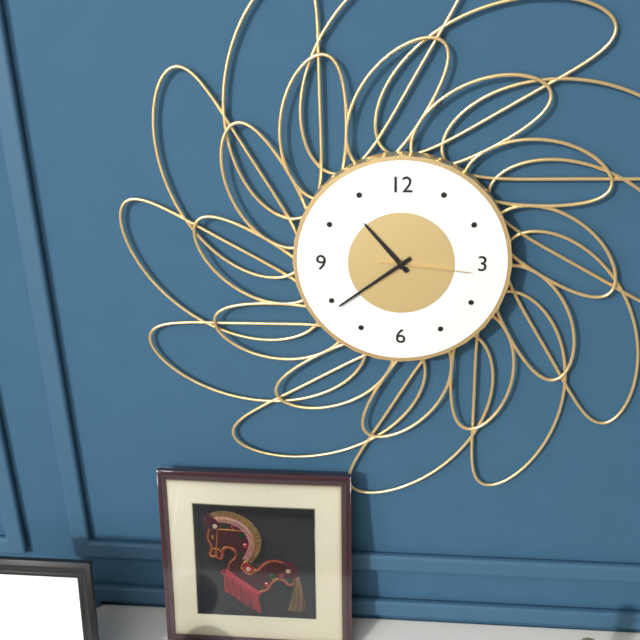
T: 10:39:16
